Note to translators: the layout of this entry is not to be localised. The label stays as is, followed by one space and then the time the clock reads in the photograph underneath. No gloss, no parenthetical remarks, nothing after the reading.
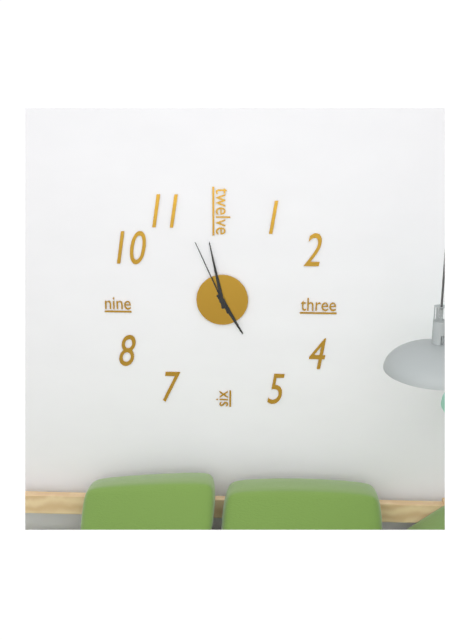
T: 4:58:56
